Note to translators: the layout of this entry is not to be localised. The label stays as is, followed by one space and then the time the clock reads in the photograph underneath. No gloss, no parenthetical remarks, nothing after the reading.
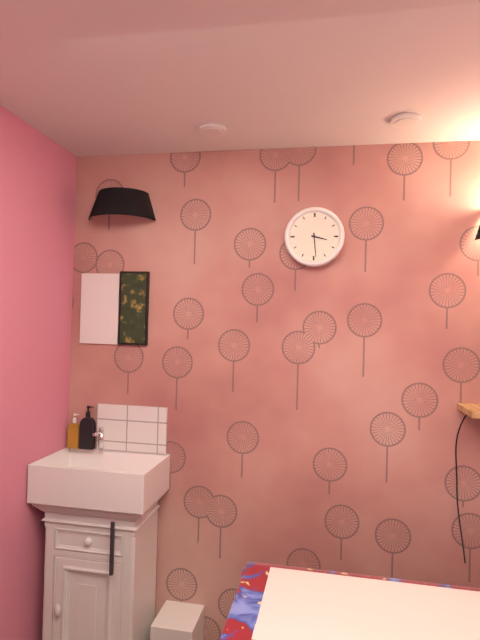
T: 3:29
